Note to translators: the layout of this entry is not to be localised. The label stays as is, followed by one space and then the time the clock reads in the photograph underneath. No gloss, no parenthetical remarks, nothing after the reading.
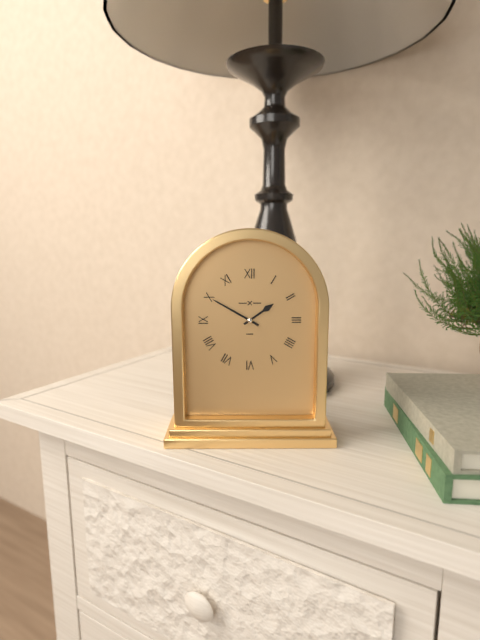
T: 1:50
